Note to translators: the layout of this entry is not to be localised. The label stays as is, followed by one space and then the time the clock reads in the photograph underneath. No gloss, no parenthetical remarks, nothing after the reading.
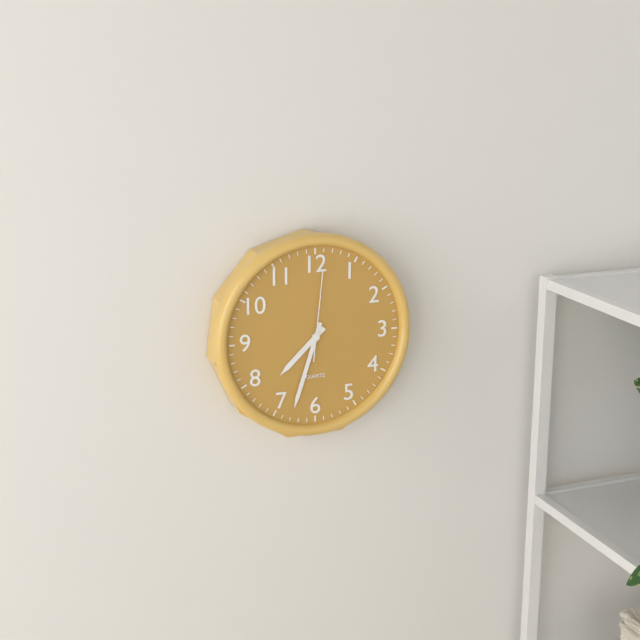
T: 7:33:01
